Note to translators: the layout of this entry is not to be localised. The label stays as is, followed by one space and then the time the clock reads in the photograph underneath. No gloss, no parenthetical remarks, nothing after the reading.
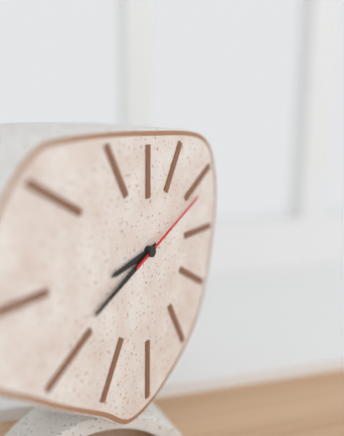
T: 8:41:11
